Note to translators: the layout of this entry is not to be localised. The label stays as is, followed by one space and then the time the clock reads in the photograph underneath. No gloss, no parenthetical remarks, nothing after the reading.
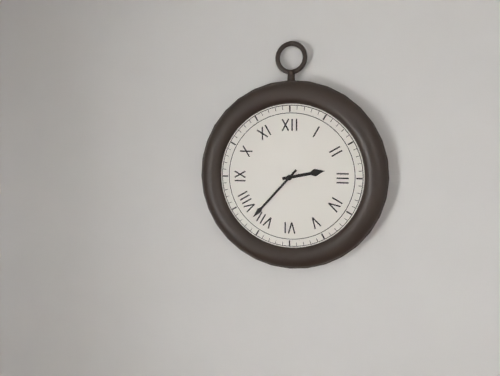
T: 2:37
